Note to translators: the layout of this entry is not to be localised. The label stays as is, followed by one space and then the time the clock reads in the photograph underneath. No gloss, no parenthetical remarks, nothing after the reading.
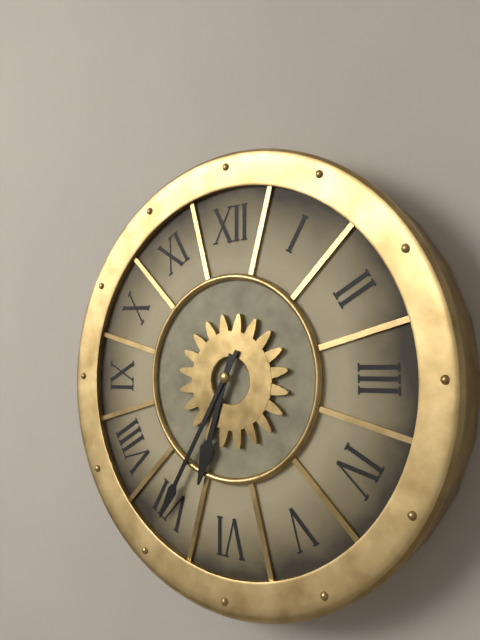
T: 6:35
